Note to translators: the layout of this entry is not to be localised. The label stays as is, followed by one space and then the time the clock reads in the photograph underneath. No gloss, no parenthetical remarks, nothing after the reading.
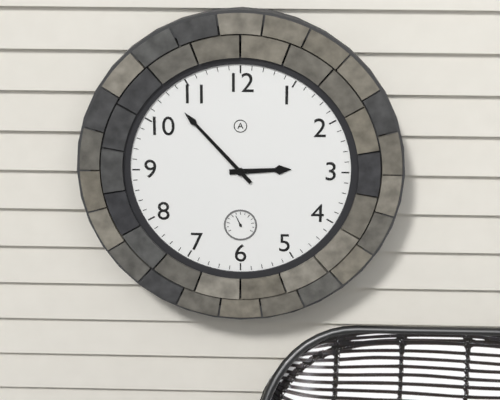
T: 2:53
